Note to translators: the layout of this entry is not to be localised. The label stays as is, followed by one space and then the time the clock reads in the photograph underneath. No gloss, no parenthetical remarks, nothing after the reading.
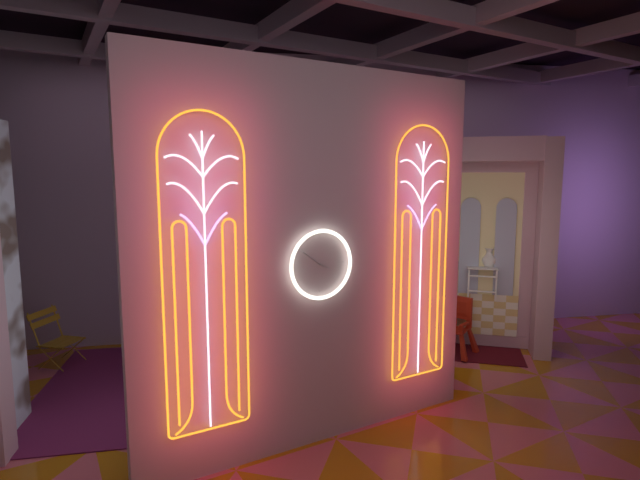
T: 3:51
